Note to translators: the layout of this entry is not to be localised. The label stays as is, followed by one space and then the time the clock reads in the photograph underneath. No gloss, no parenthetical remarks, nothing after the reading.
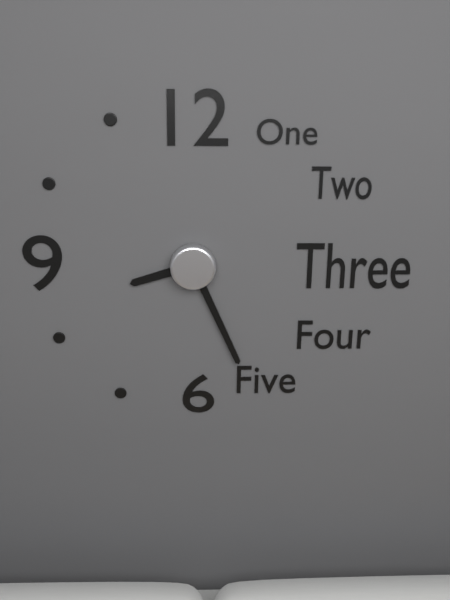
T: 8:26
